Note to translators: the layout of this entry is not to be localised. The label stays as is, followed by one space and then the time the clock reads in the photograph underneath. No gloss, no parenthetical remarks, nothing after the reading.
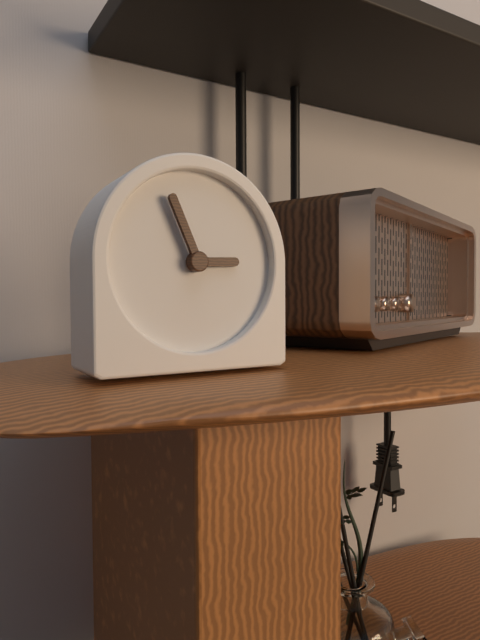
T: 2:56
